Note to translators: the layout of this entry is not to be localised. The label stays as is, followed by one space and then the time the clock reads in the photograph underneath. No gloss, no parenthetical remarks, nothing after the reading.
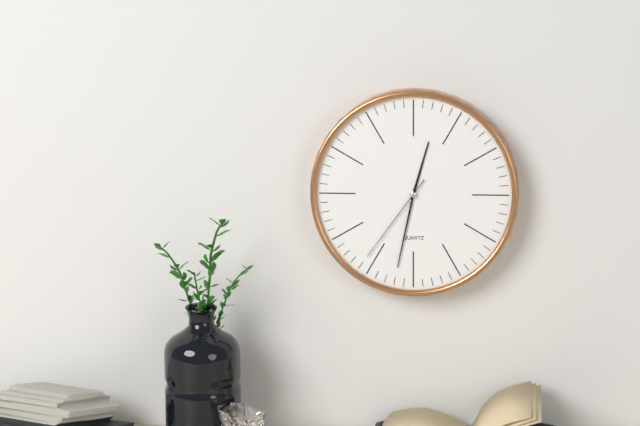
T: 12:32:36
